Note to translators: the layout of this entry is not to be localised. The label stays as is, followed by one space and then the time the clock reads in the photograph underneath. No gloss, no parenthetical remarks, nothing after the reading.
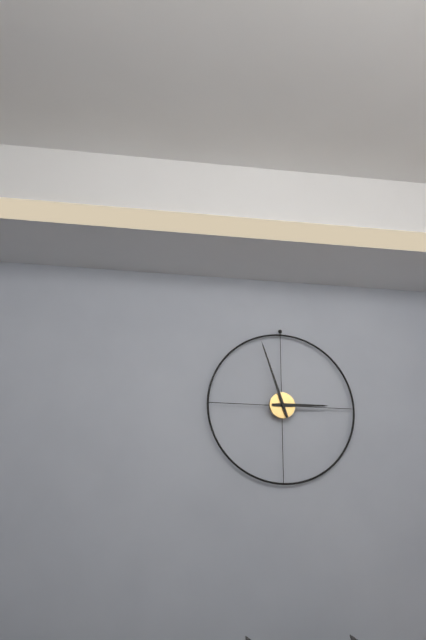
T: 2:57
